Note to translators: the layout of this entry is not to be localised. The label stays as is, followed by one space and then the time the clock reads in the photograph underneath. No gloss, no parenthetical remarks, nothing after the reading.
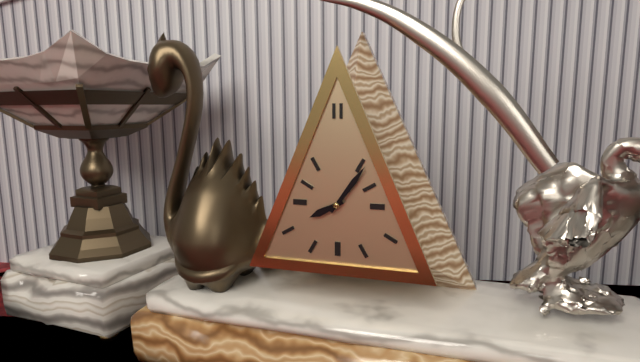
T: 8:06
